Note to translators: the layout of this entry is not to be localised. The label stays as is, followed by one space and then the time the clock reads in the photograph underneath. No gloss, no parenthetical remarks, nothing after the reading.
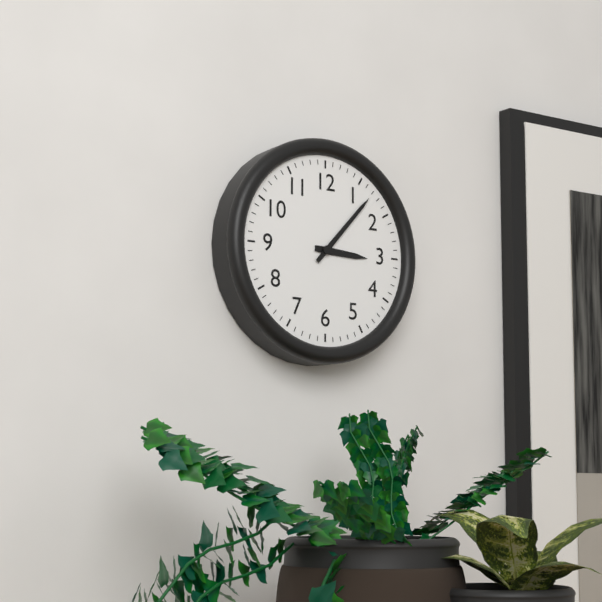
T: 3:07
